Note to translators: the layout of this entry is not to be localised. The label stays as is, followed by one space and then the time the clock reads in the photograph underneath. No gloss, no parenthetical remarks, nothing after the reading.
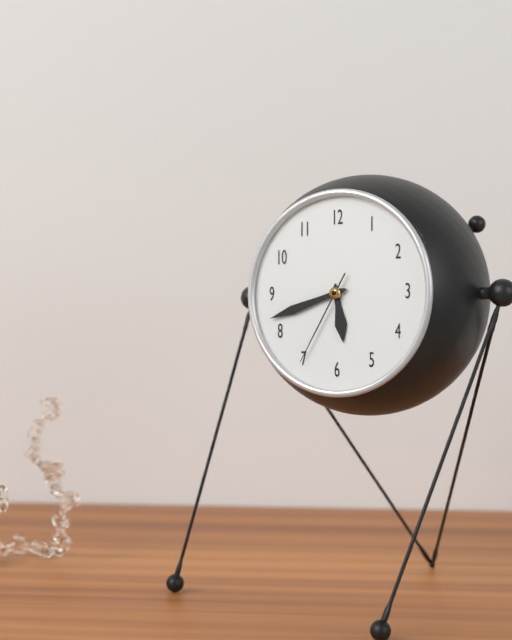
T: 5:42:35
